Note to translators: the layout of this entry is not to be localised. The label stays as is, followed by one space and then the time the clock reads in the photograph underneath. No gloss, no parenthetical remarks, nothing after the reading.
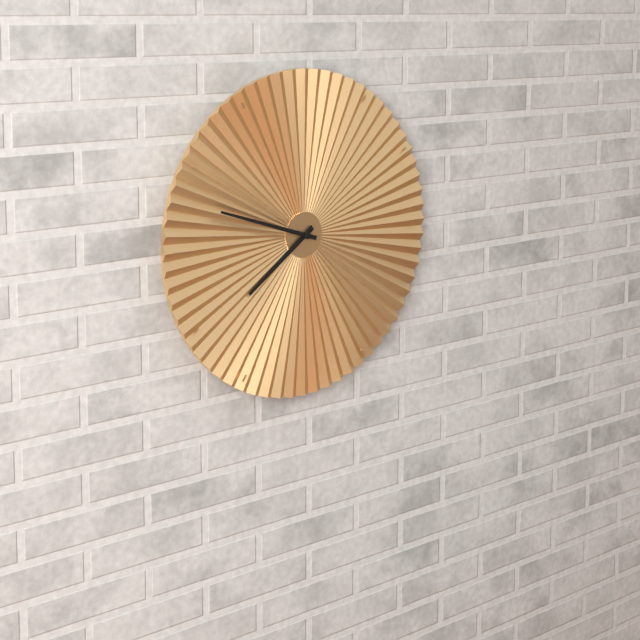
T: 7:48
